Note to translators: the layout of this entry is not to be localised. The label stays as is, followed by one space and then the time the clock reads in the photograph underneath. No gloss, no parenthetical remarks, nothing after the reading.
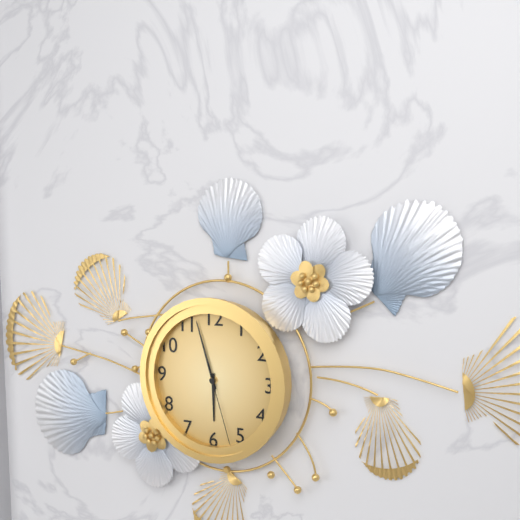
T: 5:57:27
